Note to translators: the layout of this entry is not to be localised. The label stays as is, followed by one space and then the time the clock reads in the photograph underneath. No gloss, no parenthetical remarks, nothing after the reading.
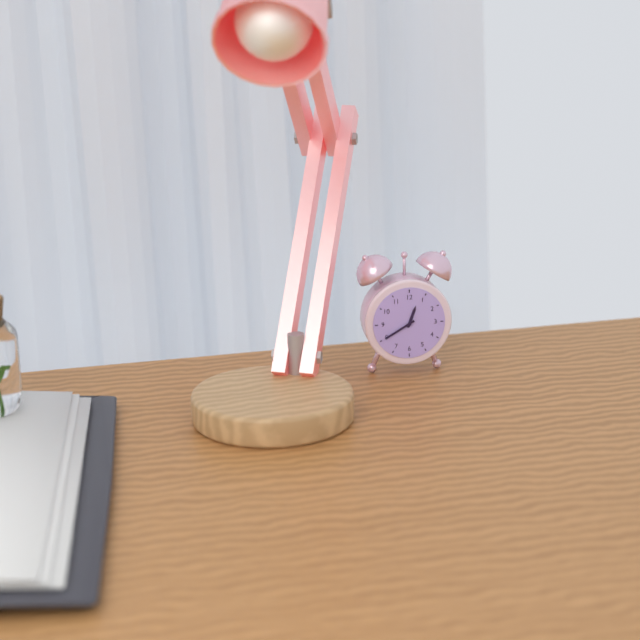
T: 12:40
